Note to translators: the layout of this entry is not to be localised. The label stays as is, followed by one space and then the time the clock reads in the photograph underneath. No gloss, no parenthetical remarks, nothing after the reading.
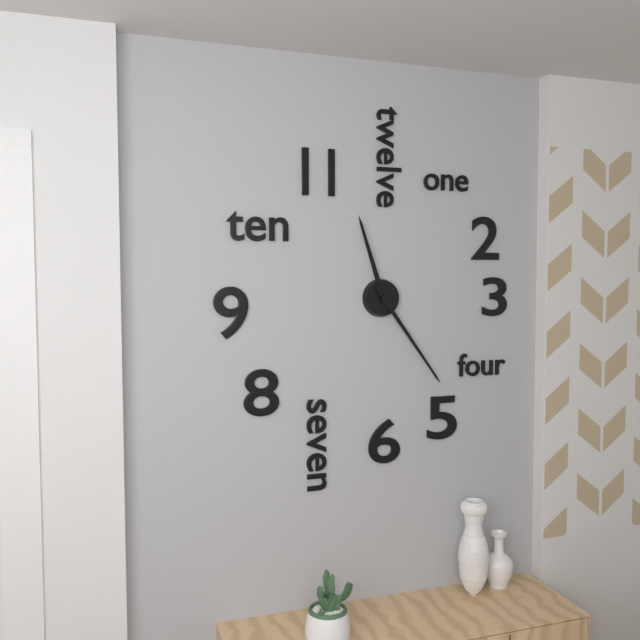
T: 11:24
